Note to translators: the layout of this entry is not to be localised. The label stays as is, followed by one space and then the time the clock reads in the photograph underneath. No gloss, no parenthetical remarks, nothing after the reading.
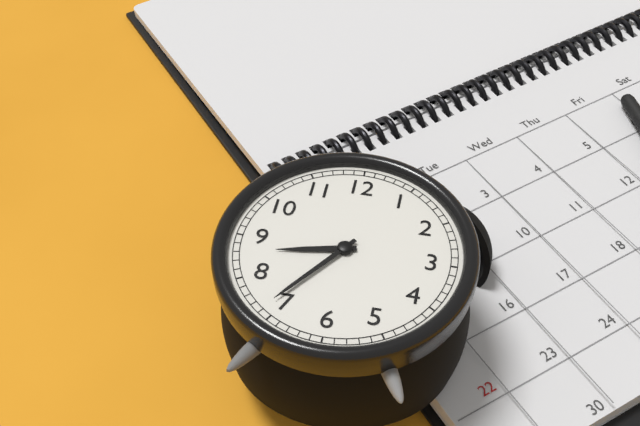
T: 8:36
